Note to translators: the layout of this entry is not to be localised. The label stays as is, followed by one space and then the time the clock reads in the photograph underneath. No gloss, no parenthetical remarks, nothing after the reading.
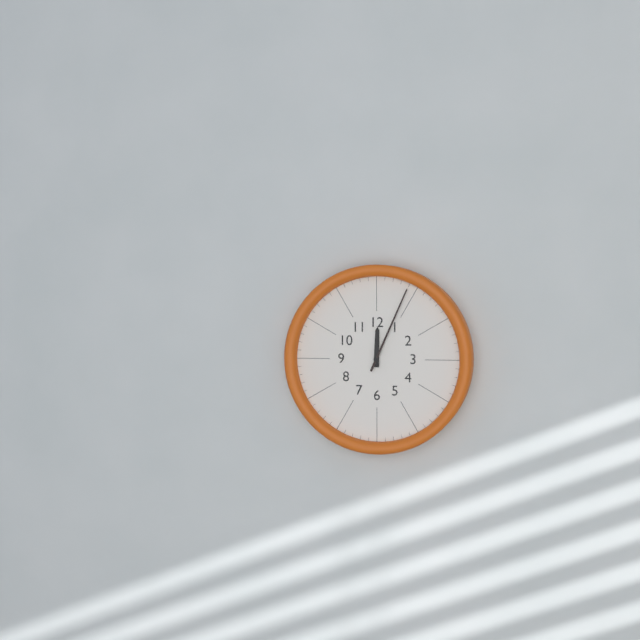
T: 12:04
